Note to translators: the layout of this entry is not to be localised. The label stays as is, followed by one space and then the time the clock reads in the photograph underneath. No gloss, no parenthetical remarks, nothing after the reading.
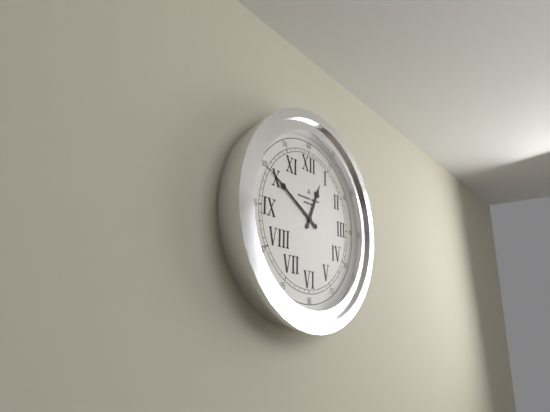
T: 12:50
